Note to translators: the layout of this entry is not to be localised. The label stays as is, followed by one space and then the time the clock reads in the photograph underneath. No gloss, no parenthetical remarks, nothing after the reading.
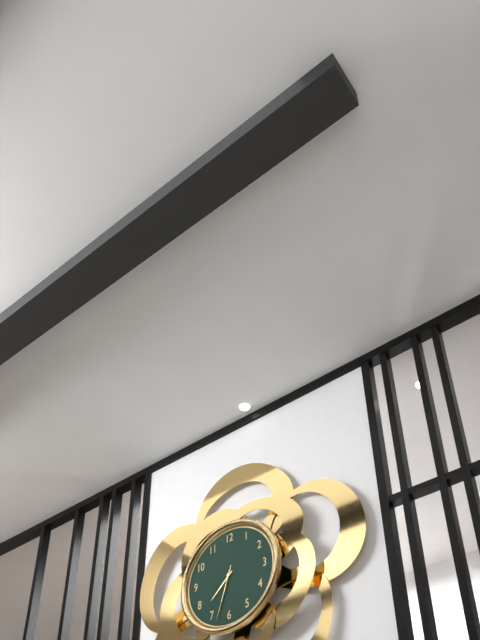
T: 7:33:33
